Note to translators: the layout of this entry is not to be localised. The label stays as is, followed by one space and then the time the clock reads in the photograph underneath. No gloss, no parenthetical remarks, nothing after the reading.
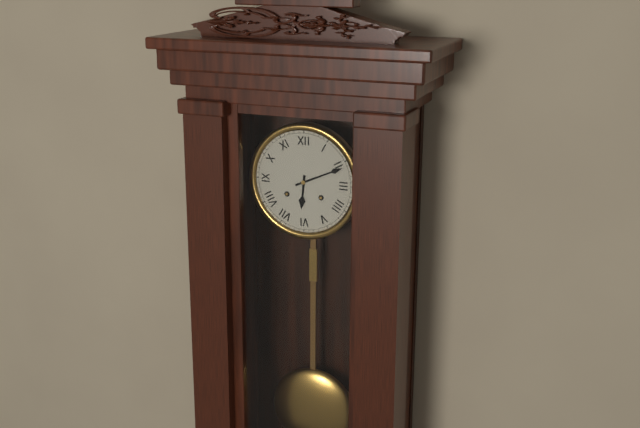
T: 6:11
